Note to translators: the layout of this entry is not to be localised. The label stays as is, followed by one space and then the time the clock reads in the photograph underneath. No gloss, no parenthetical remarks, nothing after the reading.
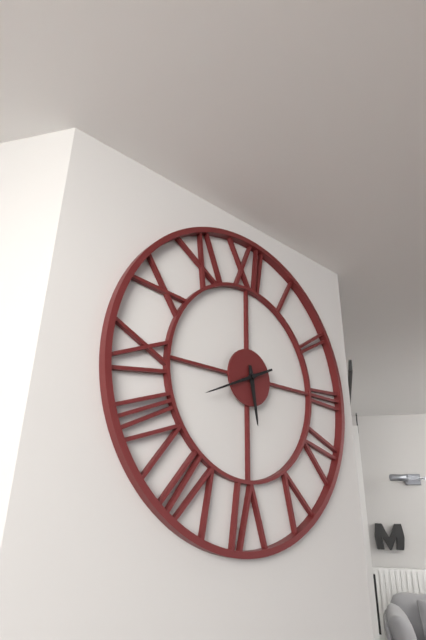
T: 5:41
